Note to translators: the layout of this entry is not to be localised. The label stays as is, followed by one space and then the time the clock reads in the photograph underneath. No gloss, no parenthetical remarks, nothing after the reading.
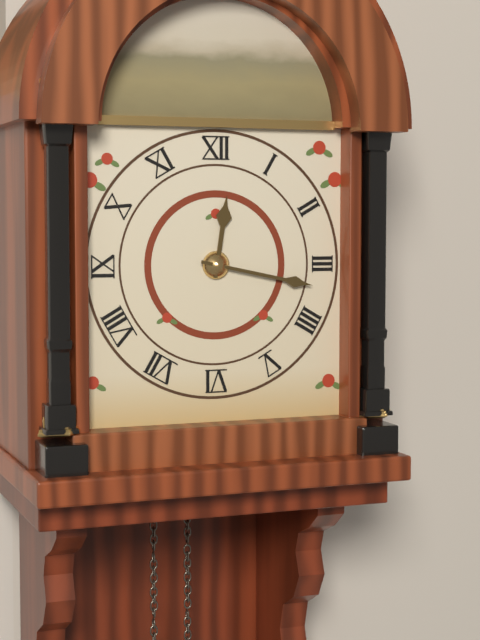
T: 12:17
